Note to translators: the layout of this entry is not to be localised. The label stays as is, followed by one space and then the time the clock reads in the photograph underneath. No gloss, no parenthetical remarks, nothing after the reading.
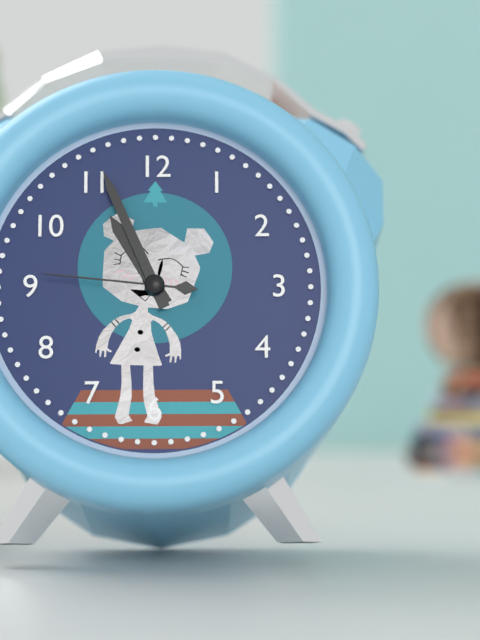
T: 10:56:46
